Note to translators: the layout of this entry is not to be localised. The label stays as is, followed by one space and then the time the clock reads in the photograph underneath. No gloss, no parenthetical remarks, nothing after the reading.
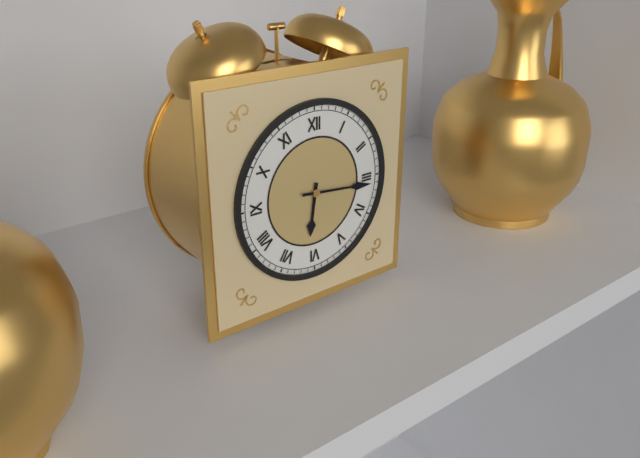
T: 6:16
